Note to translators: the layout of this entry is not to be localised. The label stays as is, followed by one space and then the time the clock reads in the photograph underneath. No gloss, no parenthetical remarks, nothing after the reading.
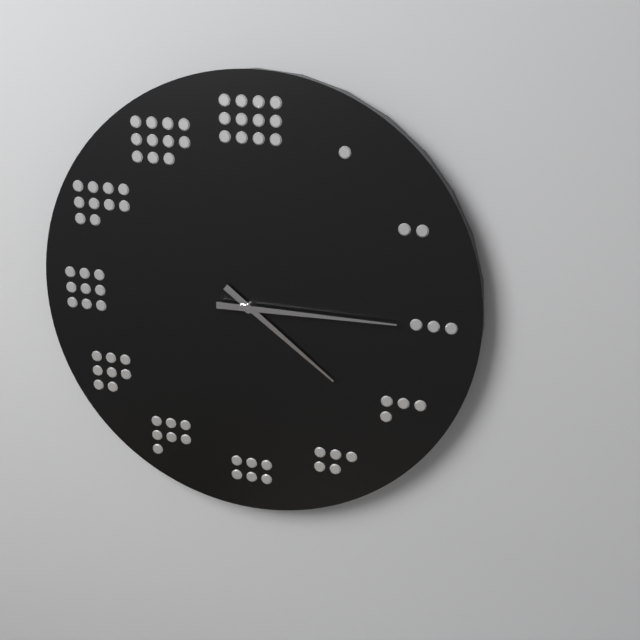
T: 4:15
